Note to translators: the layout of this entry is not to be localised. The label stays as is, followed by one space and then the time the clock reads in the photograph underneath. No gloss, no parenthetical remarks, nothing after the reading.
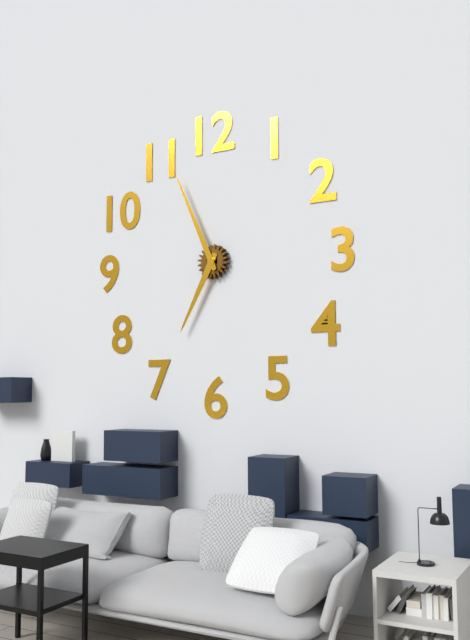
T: 6:56
